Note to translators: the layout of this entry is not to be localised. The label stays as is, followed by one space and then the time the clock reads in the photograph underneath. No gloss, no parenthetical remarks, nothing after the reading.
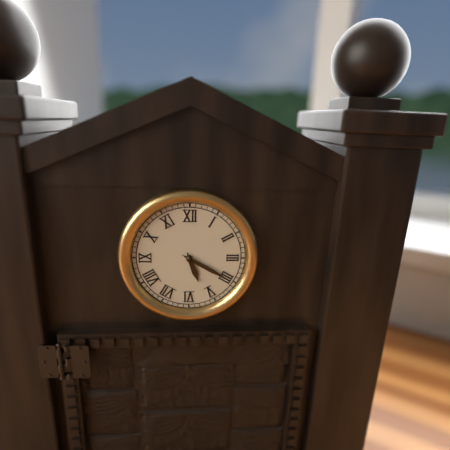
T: 5:20
